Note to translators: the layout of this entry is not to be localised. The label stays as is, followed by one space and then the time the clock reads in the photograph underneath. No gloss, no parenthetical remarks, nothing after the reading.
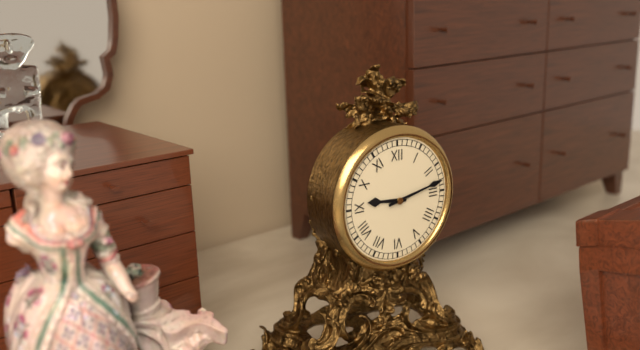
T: 9:13
